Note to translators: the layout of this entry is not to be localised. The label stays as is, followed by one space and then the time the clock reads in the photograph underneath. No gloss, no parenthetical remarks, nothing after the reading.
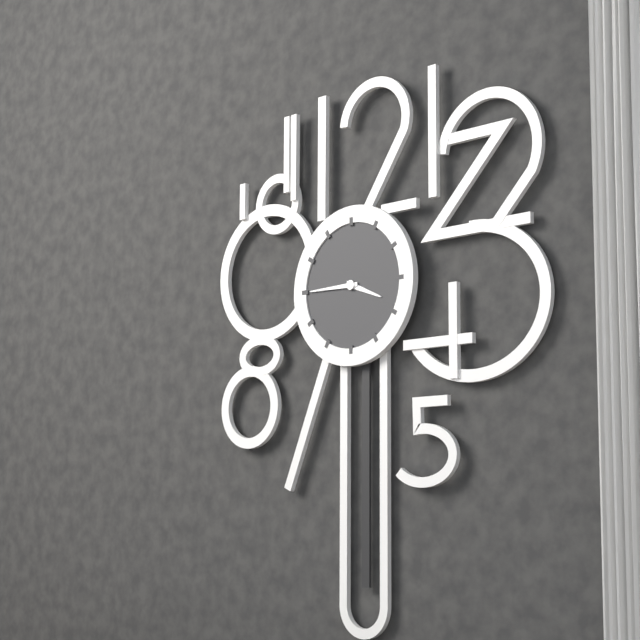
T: 3:45
